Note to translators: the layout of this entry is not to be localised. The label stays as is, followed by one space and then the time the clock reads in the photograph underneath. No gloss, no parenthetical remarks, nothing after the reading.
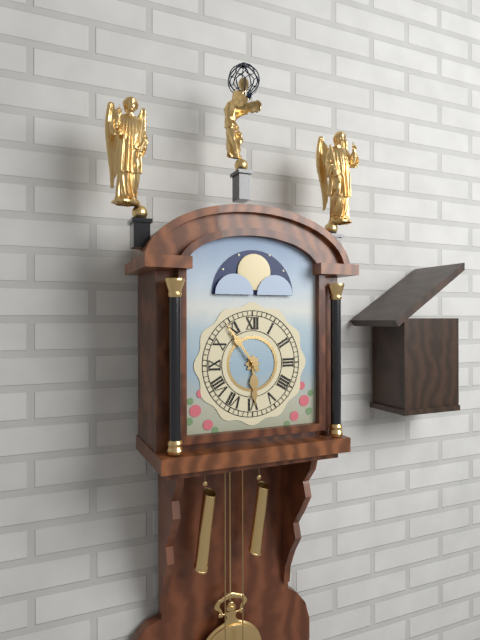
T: 5:54
